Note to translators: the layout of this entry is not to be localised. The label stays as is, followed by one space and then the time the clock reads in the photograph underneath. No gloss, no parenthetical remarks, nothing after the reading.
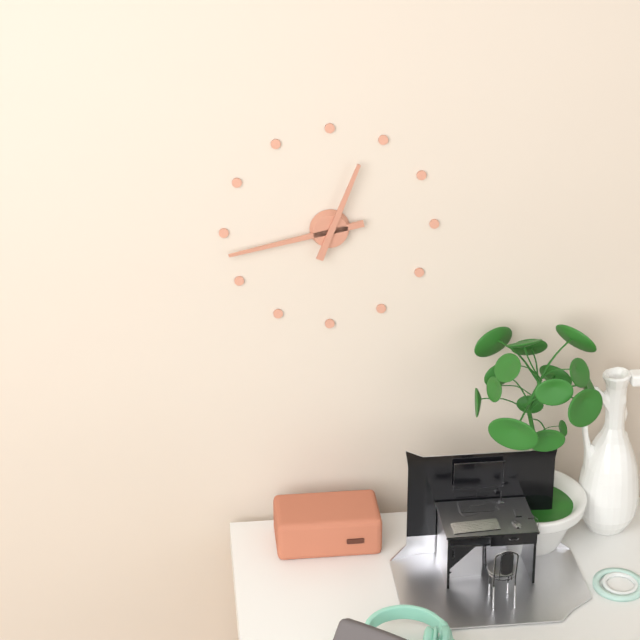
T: 12:43
